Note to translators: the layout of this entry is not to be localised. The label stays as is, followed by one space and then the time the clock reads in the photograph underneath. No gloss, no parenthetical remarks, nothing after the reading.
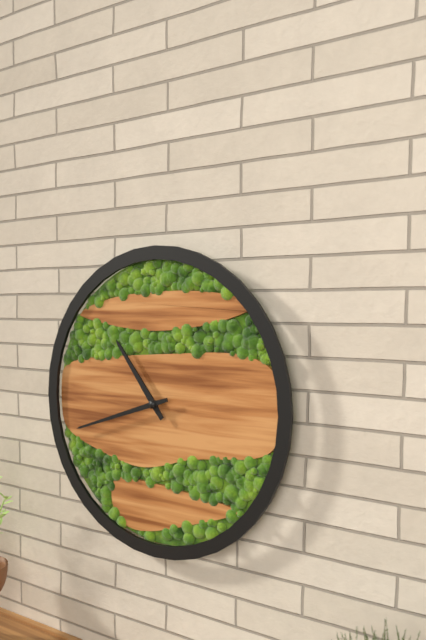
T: 10:42
